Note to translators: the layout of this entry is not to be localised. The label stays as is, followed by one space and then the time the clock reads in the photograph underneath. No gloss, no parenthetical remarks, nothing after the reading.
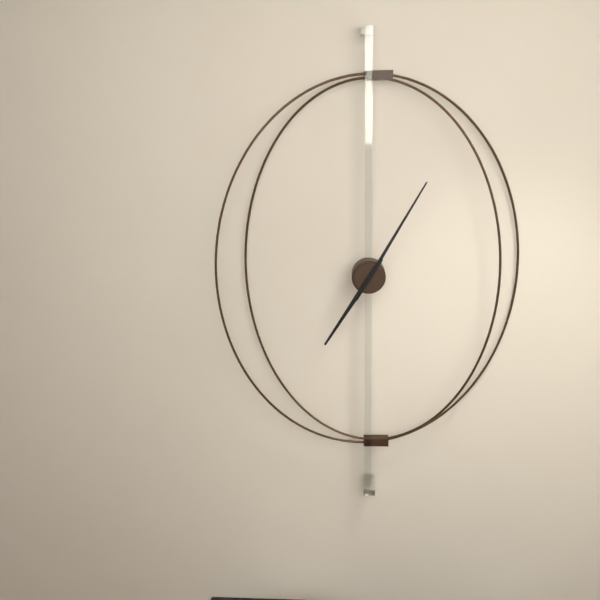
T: 7:05
